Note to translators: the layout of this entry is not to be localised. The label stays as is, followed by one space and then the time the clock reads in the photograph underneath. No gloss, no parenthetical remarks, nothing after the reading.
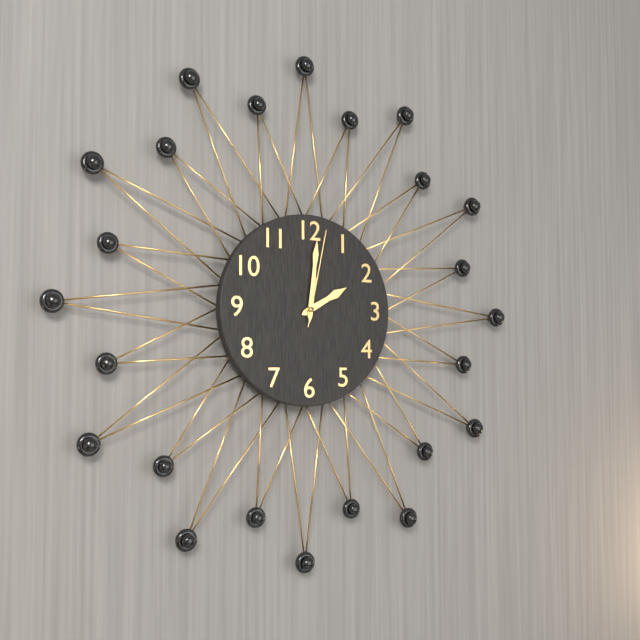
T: 2:01:02
